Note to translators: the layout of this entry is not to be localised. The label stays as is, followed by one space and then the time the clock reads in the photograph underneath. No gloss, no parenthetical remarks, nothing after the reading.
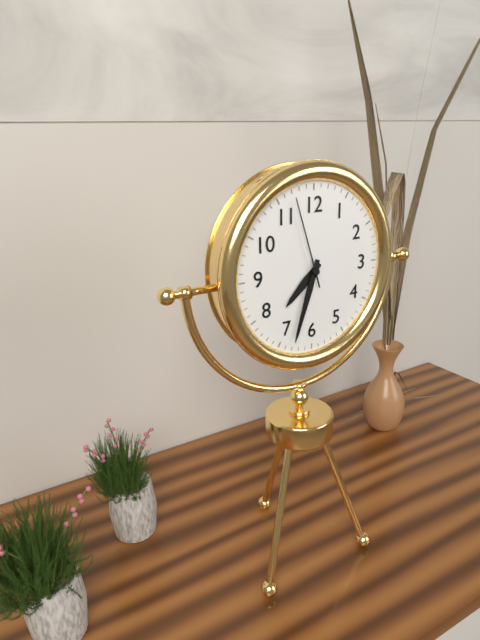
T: 7:33:57
